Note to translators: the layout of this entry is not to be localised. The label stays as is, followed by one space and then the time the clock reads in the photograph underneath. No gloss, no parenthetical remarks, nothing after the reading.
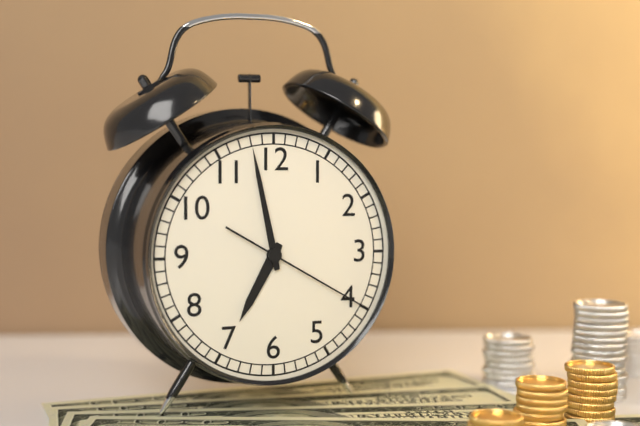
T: 6:58:20
